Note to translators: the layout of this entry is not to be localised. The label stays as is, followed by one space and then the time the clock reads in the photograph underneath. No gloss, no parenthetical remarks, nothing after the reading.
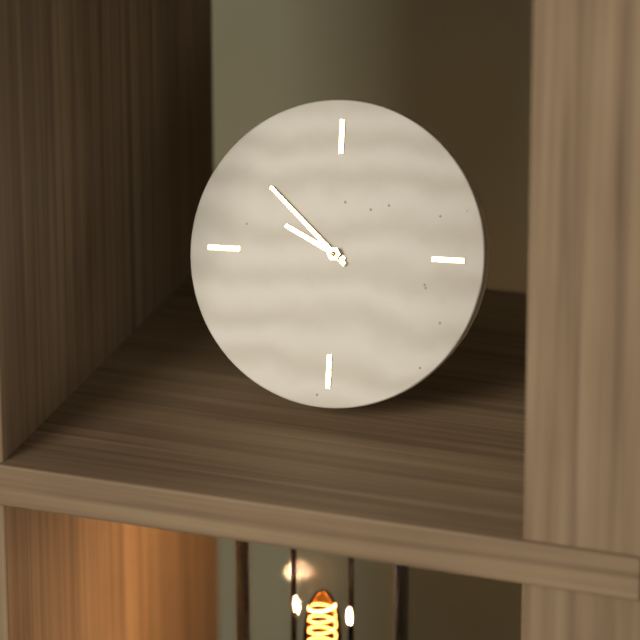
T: 9:52
